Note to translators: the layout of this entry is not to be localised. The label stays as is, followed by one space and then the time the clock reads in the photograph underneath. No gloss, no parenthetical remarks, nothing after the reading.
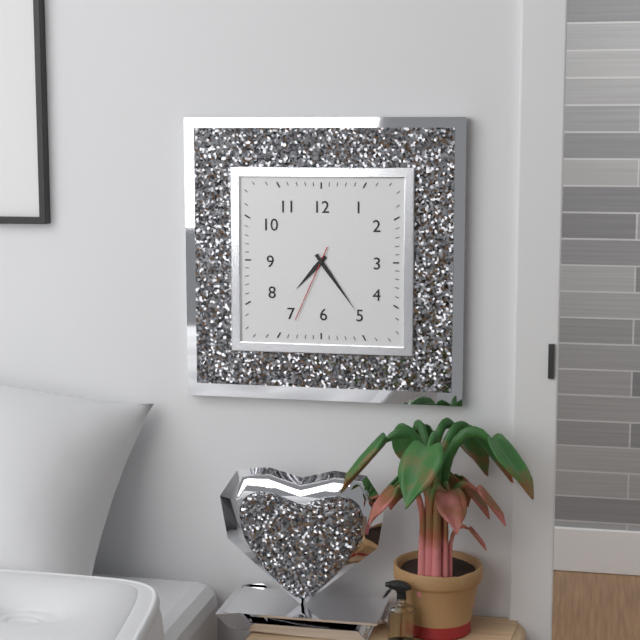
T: 7:24:34
